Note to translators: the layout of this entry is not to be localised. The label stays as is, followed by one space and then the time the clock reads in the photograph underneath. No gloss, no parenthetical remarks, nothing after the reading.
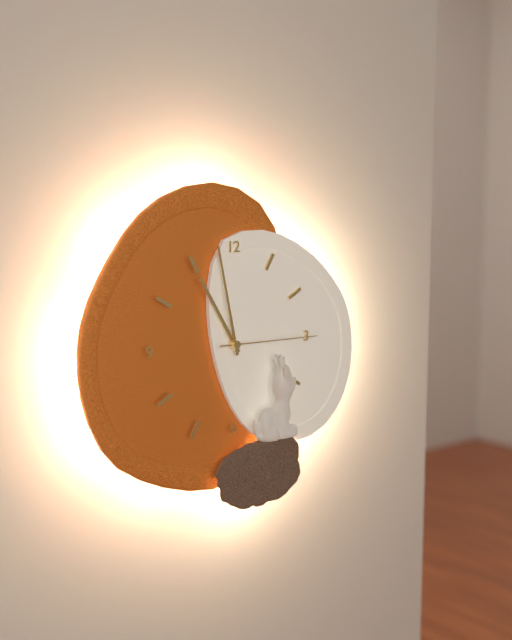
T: 10:58:15
